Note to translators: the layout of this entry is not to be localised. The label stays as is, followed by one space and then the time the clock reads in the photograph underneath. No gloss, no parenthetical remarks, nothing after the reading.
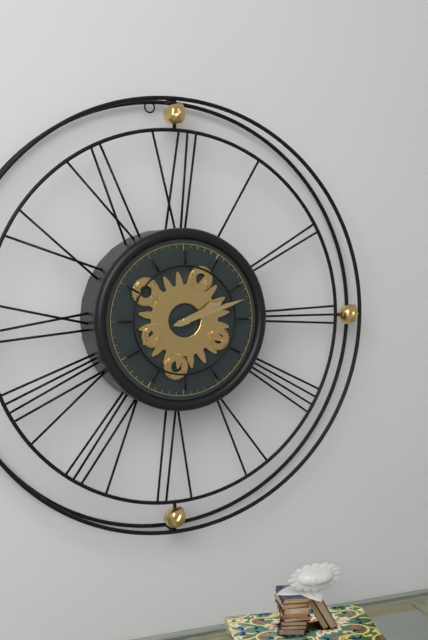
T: 2:12
